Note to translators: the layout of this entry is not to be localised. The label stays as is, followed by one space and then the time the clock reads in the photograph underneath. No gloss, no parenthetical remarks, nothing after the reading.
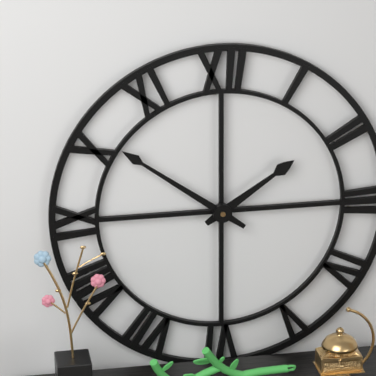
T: 1:51
